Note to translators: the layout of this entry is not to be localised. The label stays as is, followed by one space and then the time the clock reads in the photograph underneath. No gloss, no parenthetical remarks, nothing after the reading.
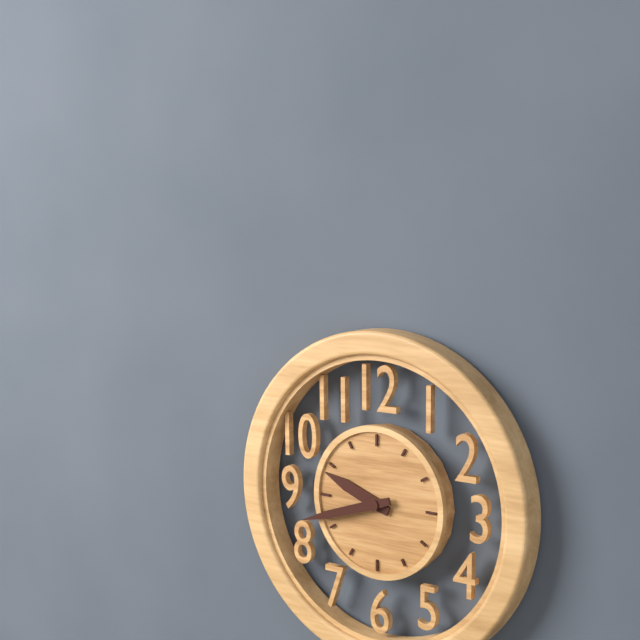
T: 9:42
